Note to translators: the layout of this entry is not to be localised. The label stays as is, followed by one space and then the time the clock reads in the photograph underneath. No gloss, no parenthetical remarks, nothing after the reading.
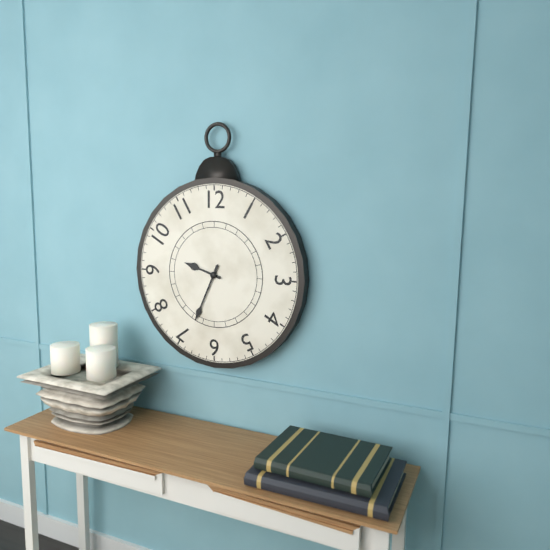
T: 9:34
